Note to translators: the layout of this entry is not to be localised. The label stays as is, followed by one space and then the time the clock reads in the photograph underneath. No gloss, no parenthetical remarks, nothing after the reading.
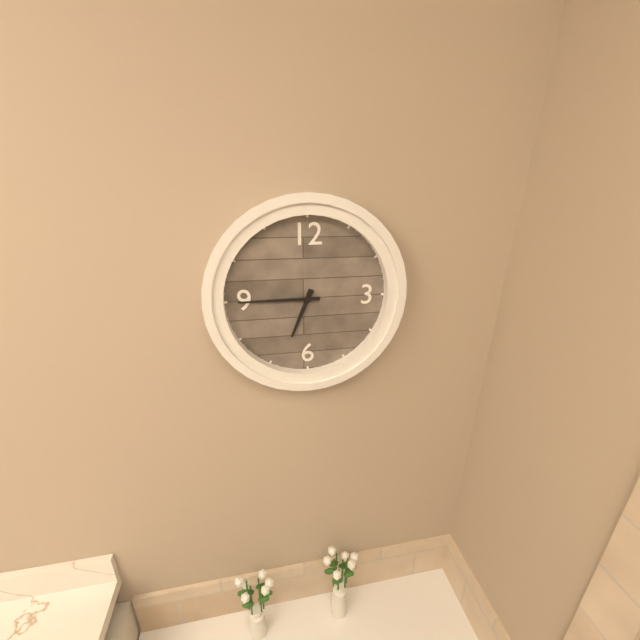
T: 6:45
